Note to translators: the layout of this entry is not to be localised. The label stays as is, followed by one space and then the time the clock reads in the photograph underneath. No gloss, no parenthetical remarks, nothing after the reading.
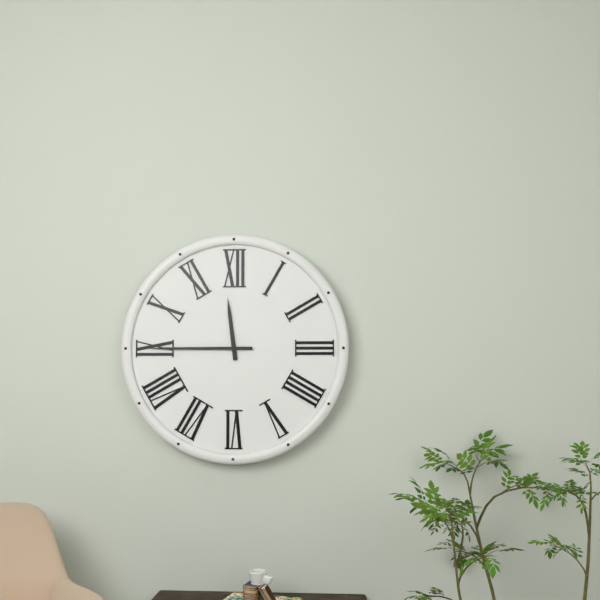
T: 11:45
